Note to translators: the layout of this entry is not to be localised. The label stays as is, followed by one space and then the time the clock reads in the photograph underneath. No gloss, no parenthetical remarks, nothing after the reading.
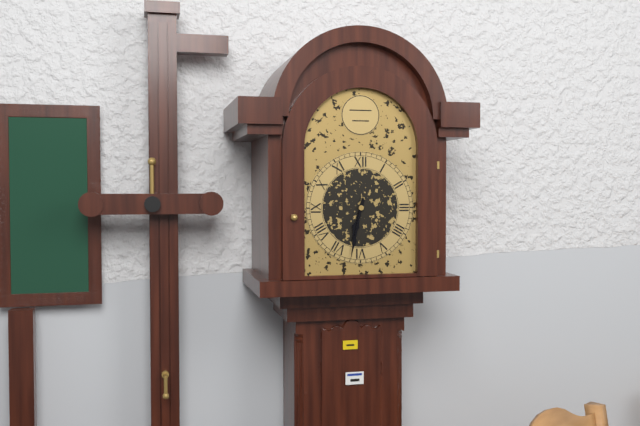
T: 6:32
